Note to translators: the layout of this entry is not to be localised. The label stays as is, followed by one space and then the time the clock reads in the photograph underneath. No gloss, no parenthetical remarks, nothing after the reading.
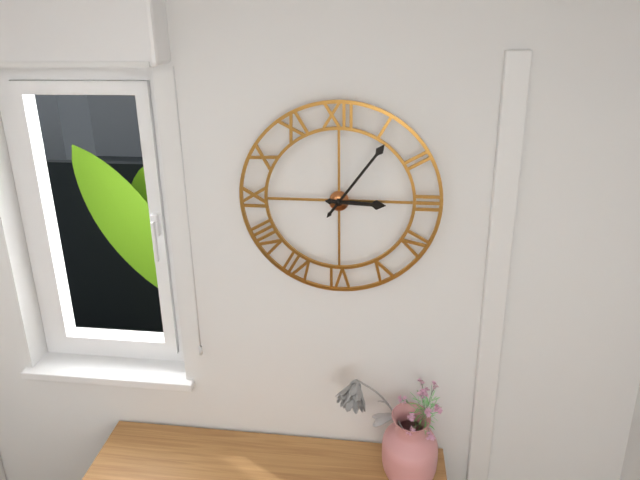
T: 3:06
